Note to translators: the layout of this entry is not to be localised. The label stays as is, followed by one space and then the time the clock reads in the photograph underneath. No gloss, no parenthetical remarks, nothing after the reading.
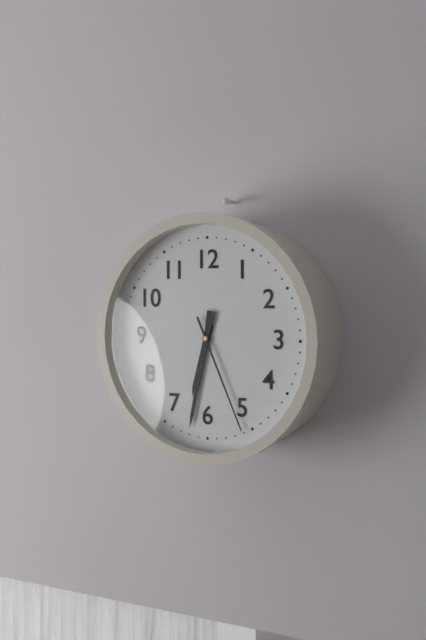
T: 6:32:26
